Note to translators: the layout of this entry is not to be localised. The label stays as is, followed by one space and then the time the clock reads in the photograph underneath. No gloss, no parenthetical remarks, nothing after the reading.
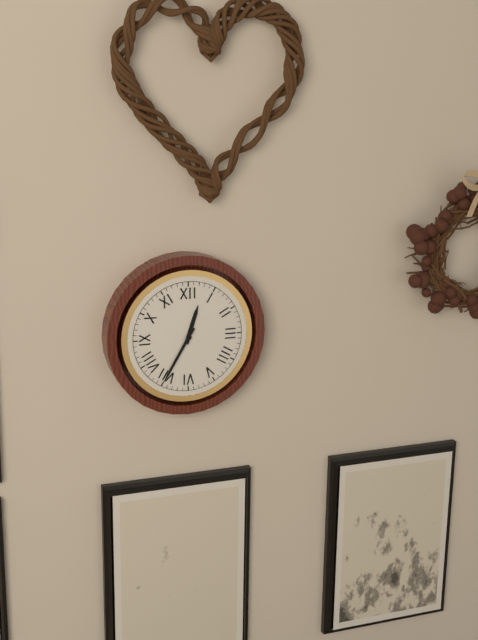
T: 12:35
